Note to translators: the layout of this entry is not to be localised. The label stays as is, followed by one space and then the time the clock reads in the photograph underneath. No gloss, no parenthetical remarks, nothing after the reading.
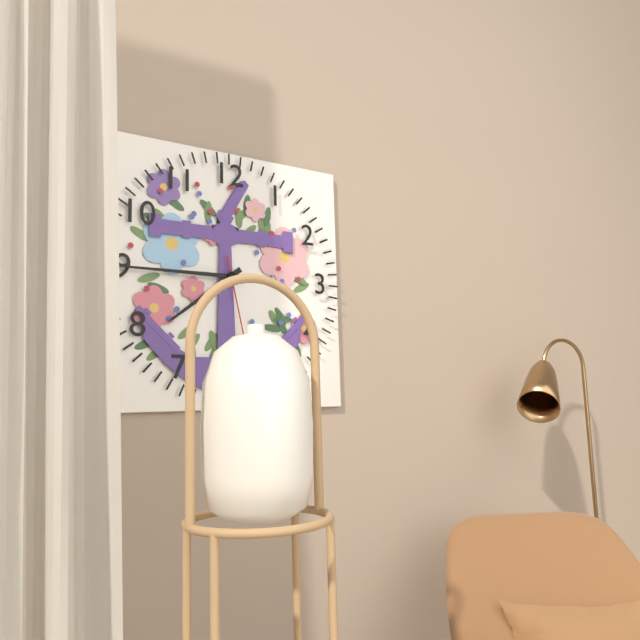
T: 7:45
